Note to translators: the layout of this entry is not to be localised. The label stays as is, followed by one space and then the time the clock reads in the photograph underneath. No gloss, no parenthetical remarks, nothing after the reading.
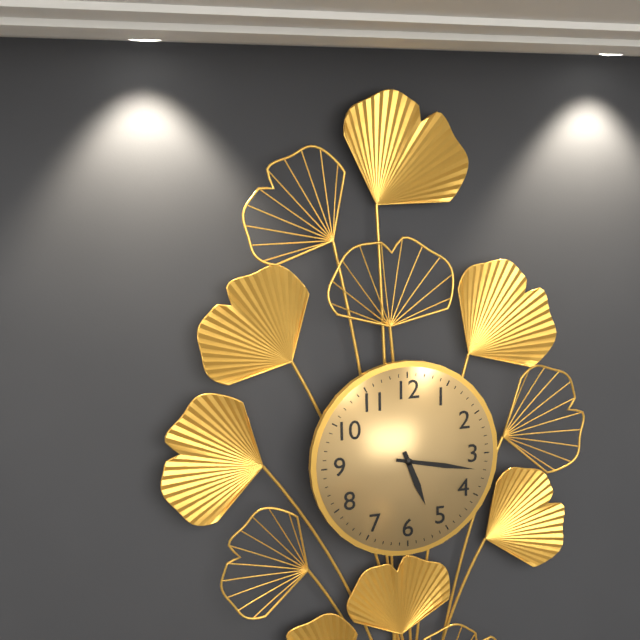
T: 5:17
